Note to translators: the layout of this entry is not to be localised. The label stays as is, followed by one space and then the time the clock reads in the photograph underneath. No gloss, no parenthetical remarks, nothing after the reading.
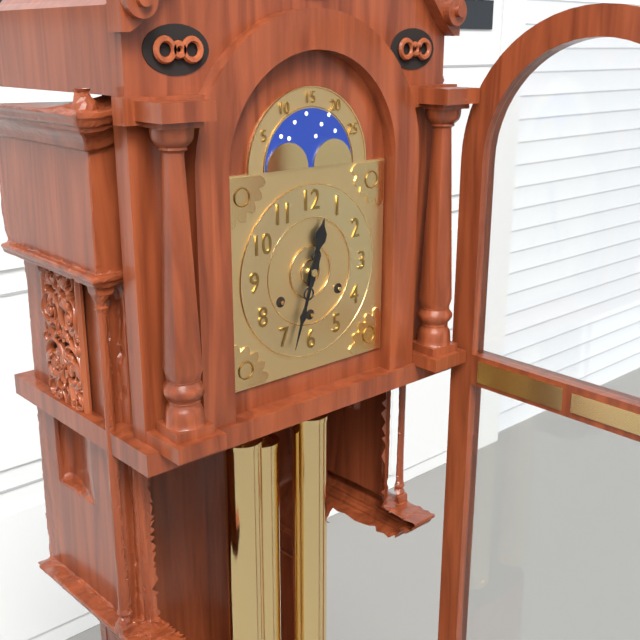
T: 12:33
